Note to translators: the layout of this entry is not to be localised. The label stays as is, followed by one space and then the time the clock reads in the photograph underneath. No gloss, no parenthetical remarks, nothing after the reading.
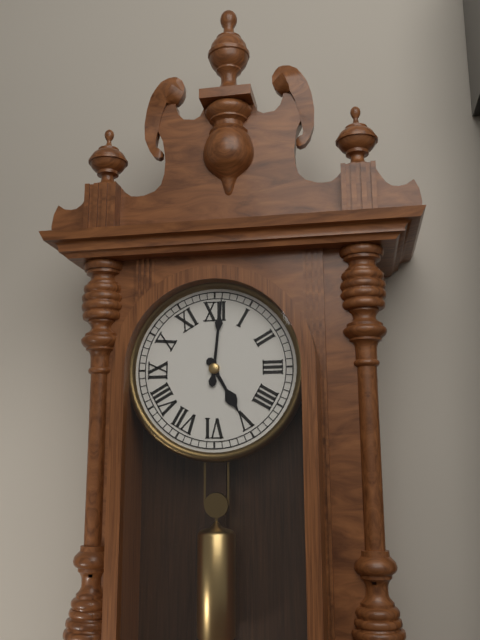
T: 5:01
